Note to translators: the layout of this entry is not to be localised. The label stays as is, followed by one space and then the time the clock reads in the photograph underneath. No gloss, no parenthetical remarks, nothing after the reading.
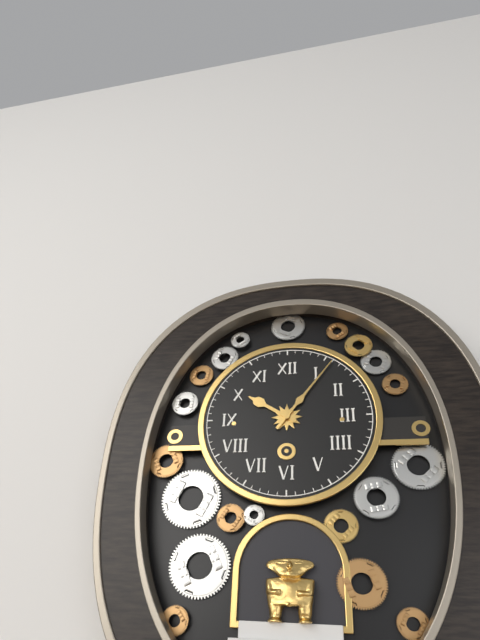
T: 10:06
